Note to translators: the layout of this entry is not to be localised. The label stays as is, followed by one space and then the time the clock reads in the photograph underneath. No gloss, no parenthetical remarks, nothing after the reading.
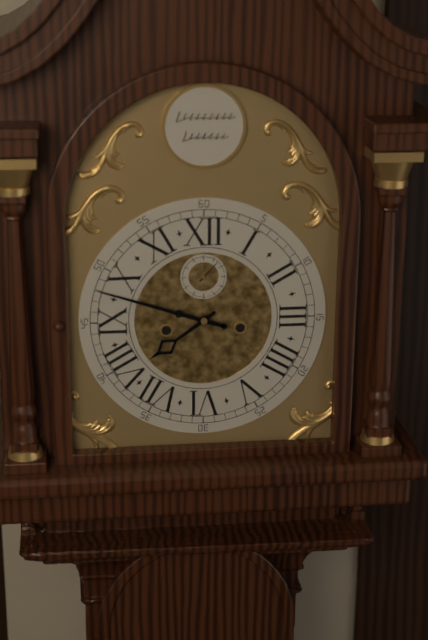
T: 7:48
